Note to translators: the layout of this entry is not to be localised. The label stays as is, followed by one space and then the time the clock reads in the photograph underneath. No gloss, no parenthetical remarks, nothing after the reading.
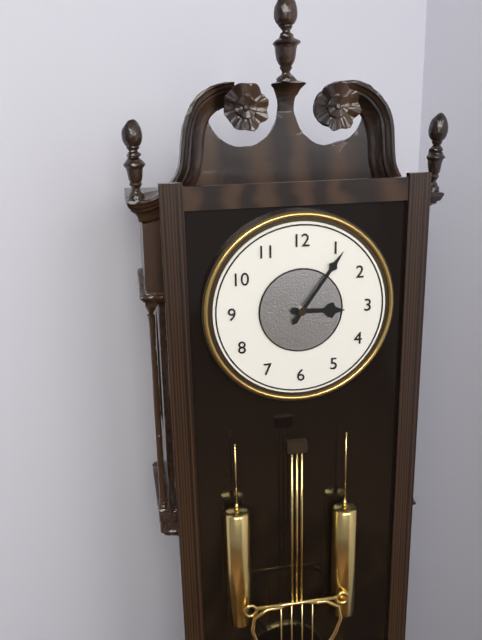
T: 3:06
